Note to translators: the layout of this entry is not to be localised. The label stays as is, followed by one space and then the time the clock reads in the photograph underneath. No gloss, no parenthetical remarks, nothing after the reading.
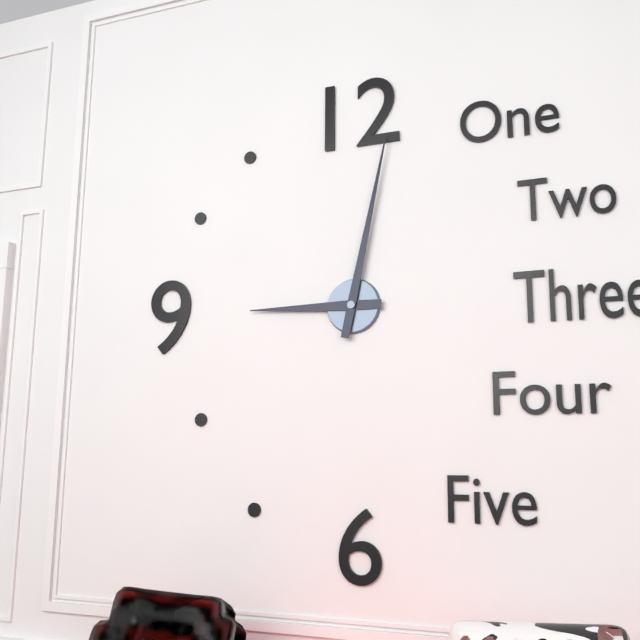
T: 9:02
